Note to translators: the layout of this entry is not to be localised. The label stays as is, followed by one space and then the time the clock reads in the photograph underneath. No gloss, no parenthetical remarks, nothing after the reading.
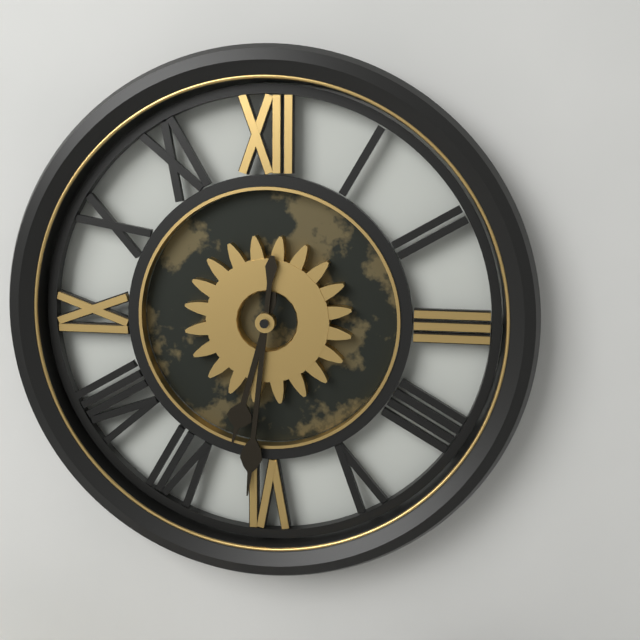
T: 6:31
